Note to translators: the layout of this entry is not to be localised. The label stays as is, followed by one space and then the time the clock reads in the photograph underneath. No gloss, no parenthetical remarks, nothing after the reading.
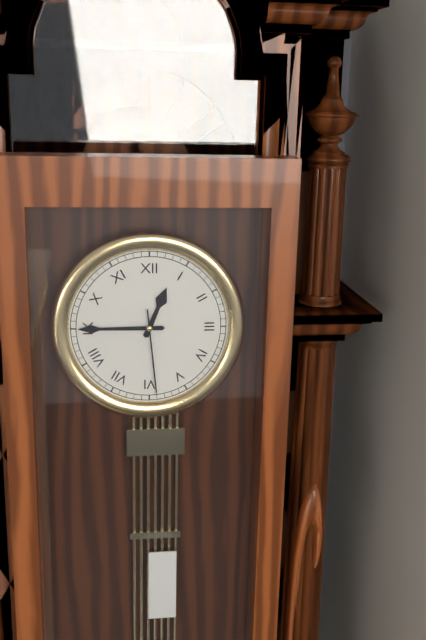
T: 12:45:29
